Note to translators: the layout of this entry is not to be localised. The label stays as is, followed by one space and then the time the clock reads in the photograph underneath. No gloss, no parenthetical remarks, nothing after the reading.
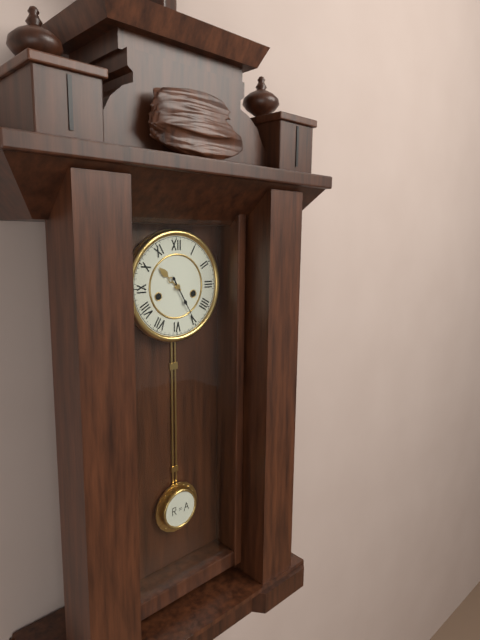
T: 10:25
